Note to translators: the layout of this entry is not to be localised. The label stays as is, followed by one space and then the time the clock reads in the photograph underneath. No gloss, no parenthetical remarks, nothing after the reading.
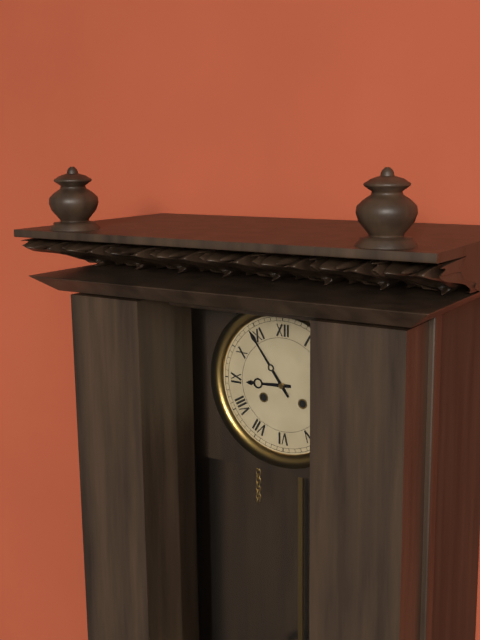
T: 8:54
